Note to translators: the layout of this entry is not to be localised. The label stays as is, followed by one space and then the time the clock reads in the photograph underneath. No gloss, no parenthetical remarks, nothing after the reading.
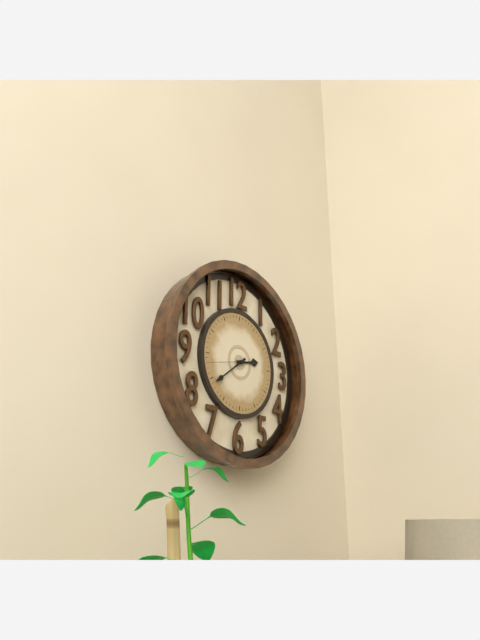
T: 2:39
